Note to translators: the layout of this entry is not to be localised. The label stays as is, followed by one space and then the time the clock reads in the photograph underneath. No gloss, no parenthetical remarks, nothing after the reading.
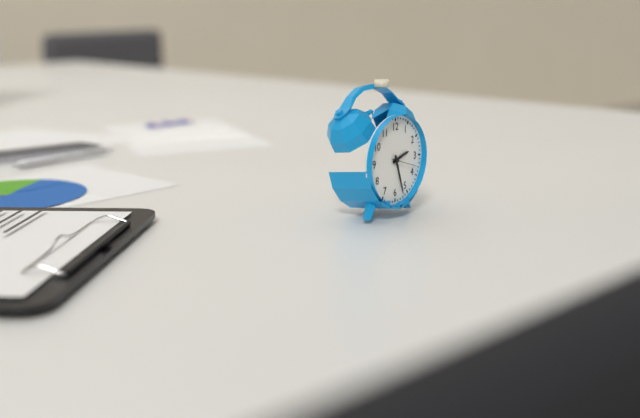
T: 2:27
